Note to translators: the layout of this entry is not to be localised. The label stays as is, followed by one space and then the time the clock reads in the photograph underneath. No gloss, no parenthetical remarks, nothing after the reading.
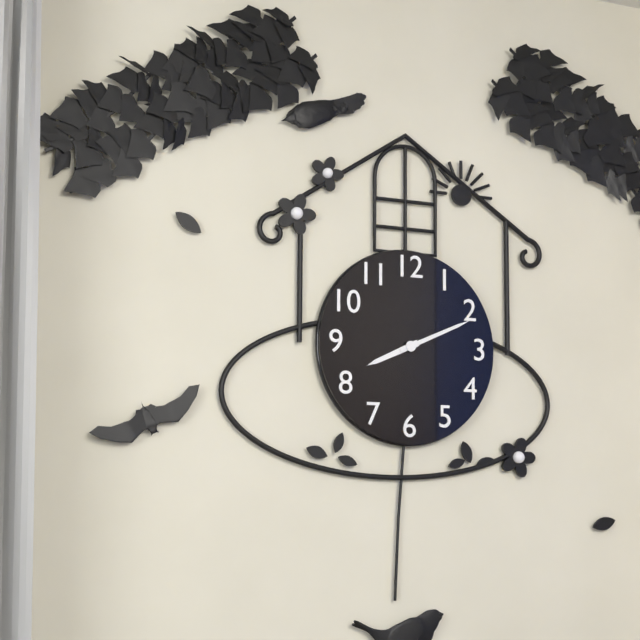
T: 8:11
